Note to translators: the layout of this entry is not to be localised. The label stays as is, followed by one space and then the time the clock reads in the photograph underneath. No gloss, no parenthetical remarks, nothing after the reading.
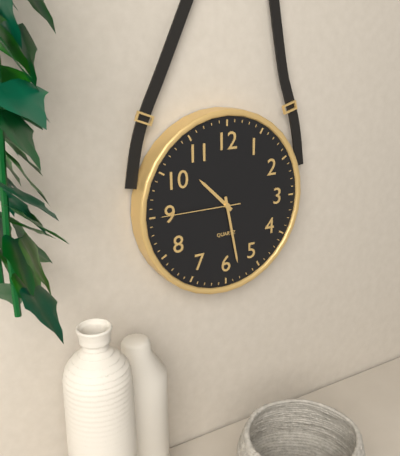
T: 10:28:45
